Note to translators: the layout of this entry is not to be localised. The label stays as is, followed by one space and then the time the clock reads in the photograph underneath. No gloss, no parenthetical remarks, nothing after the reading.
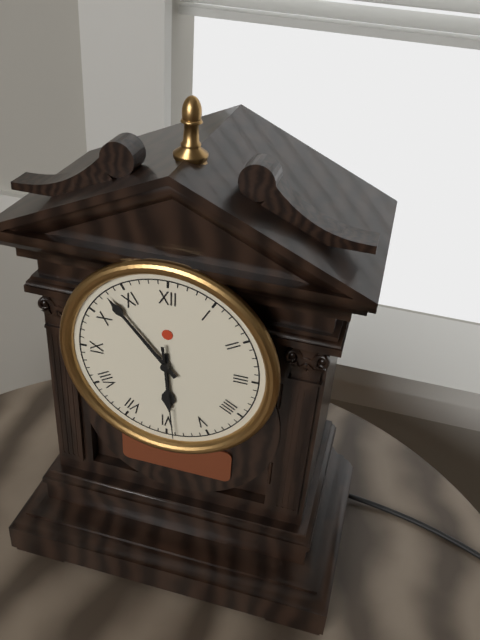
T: 5:53:29
